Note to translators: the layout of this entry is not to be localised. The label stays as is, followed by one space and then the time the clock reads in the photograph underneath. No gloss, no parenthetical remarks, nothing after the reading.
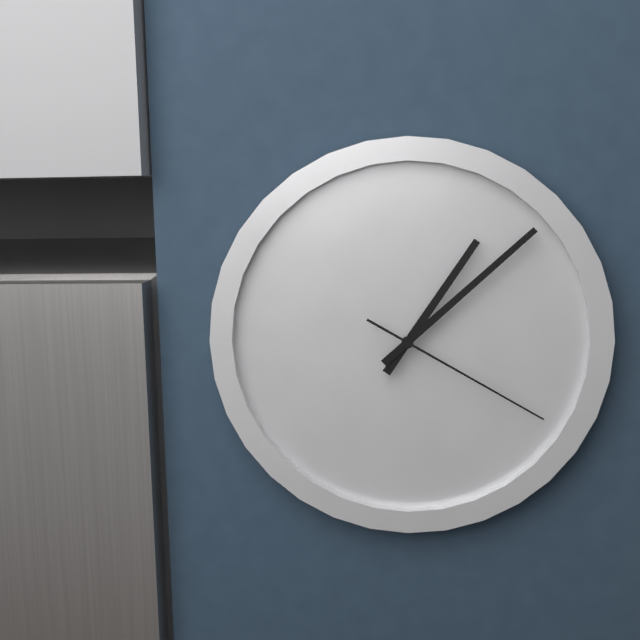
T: 1:08:20
